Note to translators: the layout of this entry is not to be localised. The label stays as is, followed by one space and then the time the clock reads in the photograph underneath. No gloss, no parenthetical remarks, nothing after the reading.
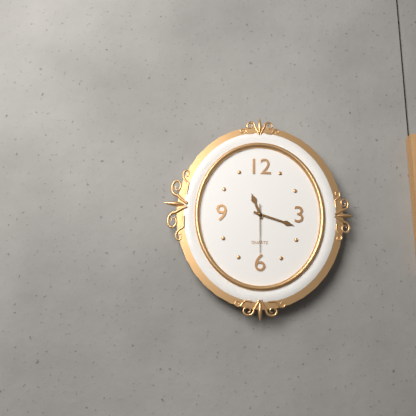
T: 11:18
